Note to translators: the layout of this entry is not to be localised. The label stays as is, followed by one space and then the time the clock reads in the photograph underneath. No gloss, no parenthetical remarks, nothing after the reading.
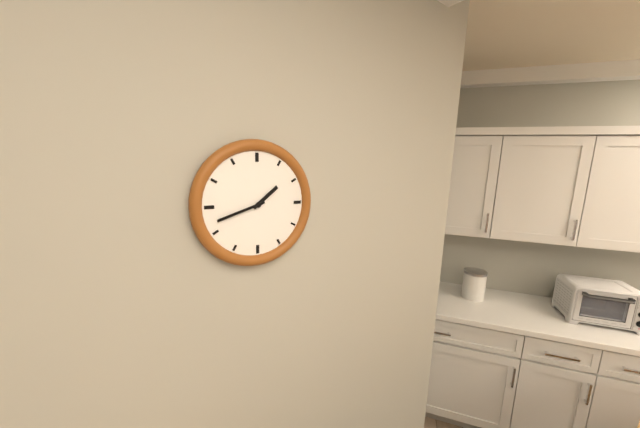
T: 1:42
